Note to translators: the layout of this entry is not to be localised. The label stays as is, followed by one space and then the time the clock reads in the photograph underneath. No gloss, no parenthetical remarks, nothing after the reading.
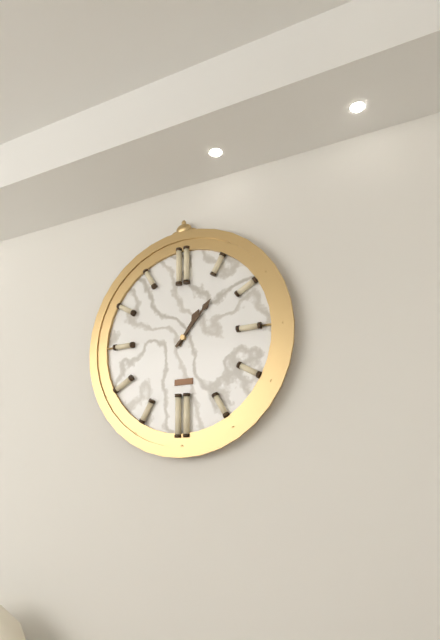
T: 1:07
